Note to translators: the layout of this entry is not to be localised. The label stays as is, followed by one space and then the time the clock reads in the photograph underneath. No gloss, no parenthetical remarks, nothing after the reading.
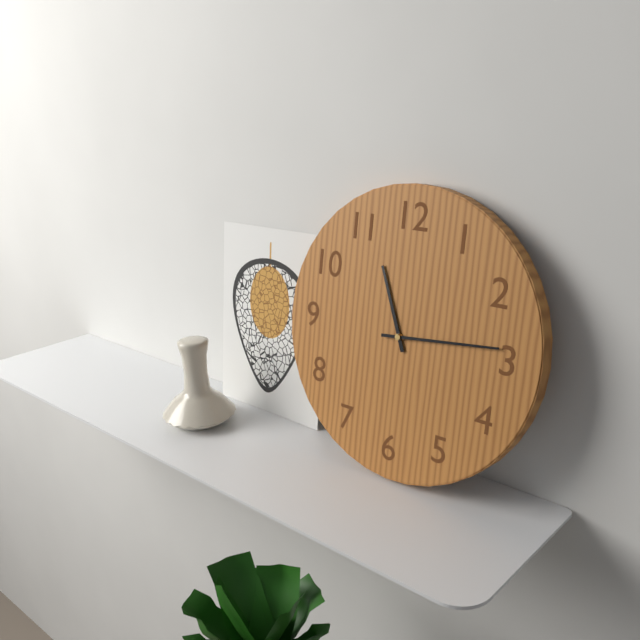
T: 11:14
